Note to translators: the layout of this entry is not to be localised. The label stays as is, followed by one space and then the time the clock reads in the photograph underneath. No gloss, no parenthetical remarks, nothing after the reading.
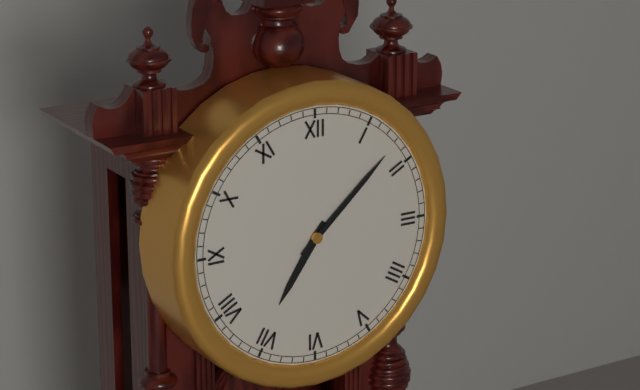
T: 7:08
